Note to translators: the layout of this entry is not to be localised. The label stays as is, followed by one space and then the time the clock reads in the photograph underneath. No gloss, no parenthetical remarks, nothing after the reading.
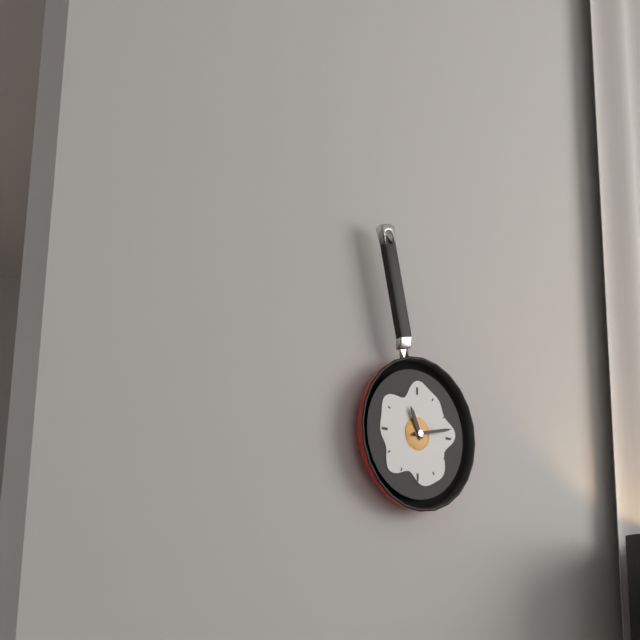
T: 11:13
